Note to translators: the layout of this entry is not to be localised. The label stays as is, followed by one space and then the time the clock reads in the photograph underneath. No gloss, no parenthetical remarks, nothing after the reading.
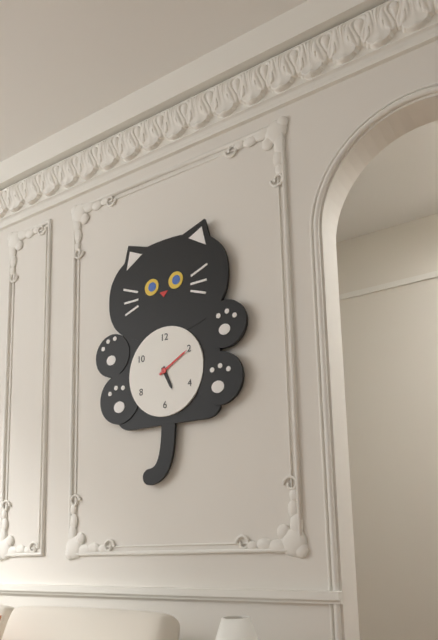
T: 5:10
